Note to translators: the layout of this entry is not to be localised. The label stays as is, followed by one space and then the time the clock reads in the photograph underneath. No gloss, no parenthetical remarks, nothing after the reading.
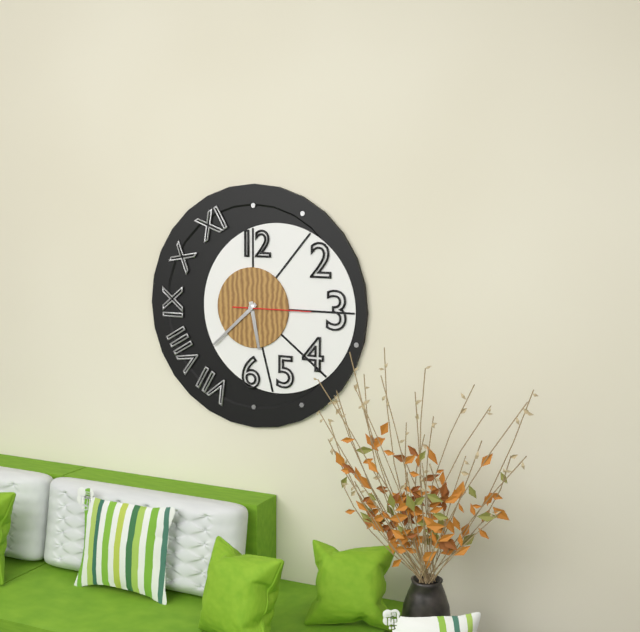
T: 5:38:15
